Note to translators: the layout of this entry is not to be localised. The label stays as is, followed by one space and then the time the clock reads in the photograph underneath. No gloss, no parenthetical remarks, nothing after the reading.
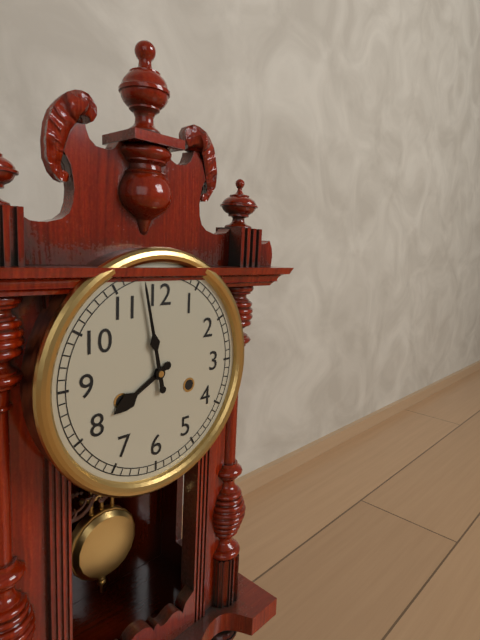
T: 7:58
